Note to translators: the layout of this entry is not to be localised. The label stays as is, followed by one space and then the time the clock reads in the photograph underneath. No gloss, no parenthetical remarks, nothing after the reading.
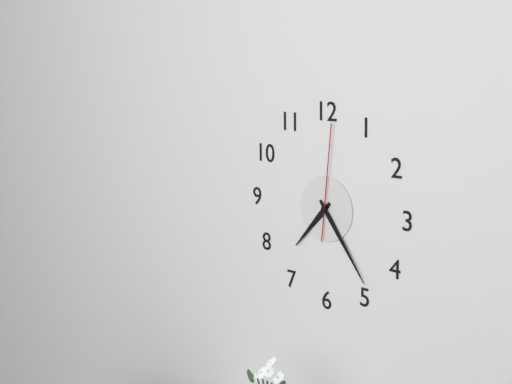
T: 7:24:01
